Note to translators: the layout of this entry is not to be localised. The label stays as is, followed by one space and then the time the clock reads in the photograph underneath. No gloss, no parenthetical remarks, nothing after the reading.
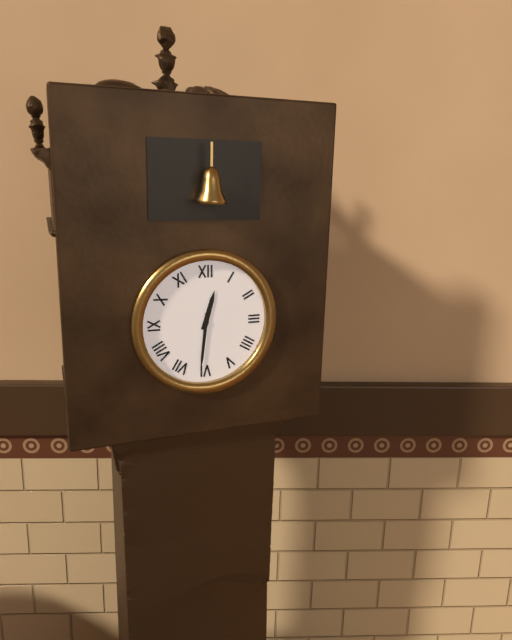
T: 12:31
